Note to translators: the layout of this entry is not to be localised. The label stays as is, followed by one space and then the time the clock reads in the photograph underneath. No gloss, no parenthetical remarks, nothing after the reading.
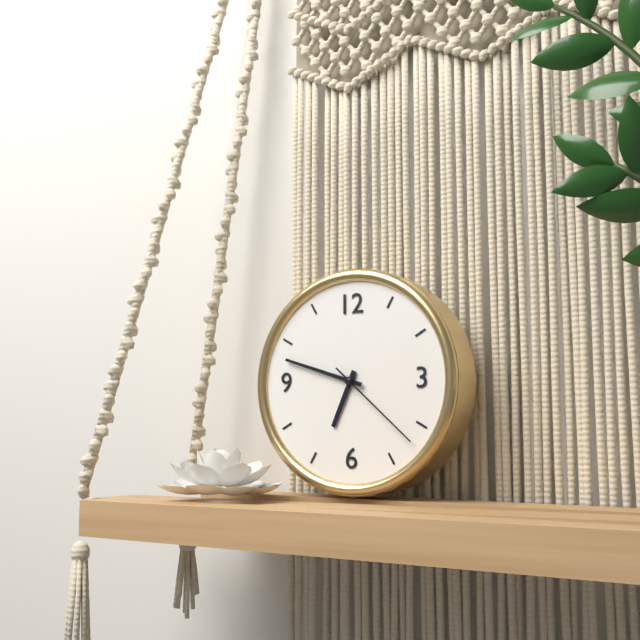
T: 6:48:22
